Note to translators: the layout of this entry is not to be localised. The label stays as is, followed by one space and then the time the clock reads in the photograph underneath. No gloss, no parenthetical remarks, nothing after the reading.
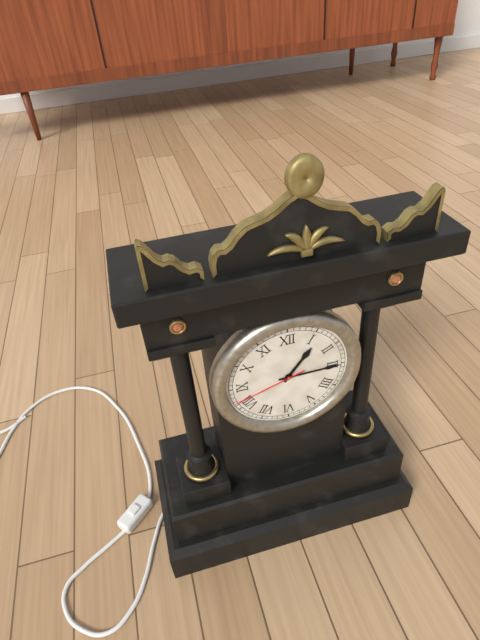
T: 1:15:42
